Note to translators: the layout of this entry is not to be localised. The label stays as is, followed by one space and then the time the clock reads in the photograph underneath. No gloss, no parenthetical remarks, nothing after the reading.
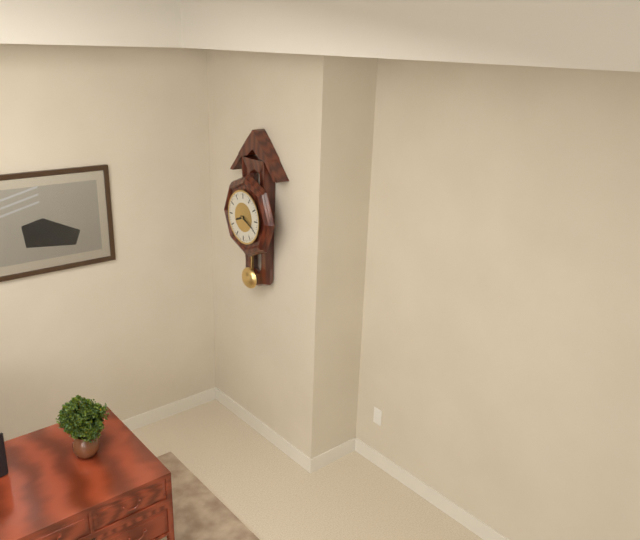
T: 8:19
